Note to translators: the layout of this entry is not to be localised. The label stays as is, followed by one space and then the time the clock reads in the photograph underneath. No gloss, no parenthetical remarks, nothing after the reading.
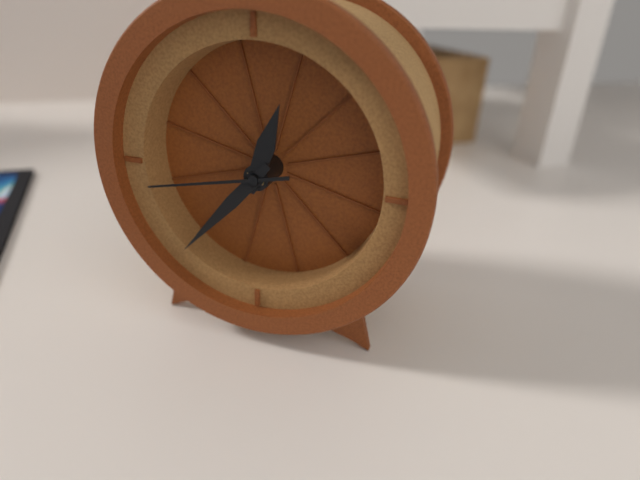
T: 12:37:43
